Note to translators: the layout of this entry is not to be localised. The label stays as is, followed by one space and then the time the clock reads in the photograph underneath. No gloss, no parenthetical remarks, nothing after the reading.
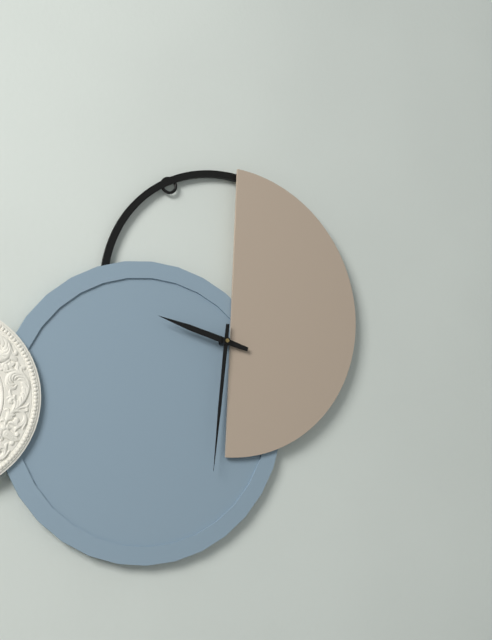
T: 9:31
